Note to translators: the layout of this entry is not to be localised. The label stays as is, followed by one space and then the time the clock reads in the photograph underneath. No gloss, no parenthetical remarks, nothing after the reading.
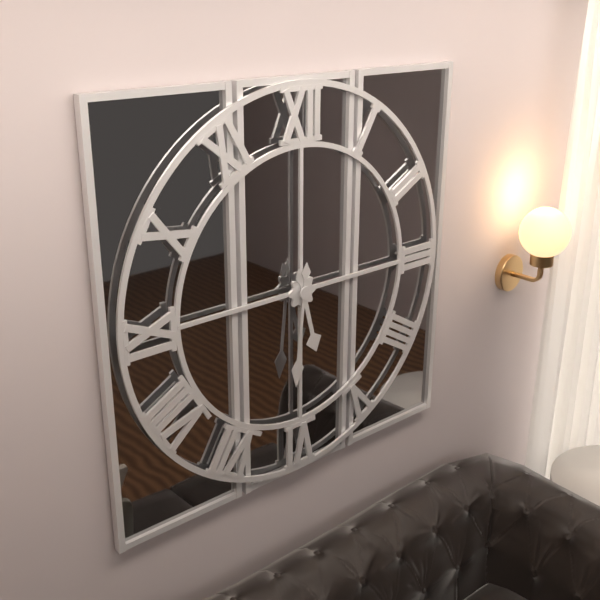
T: 5:31
